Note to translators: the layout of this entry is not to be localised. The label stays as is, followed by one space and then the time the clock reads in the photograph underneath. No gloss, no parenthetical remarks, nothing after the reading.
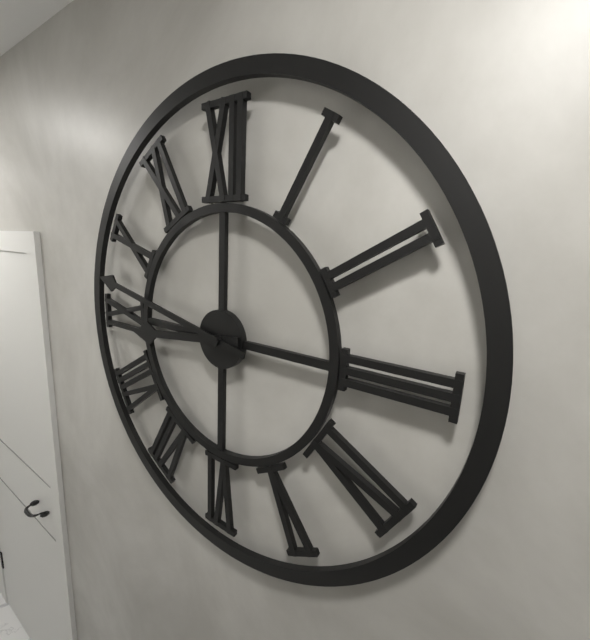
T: 8:47
